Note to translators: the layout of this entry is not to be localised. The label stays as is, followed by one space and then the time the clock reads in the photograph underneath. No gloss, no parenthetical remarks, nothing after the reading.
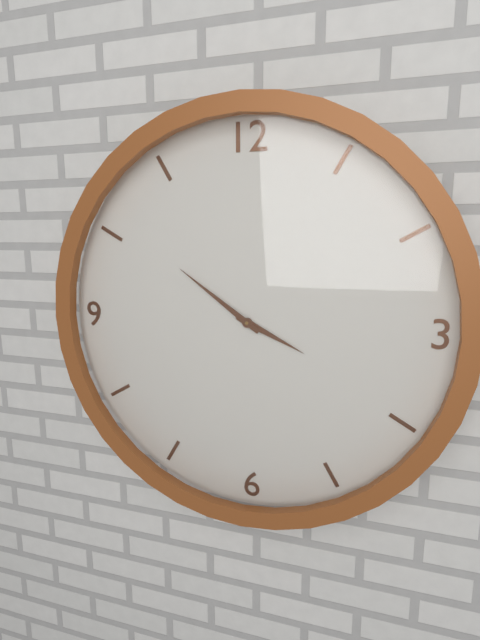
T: 3:51
